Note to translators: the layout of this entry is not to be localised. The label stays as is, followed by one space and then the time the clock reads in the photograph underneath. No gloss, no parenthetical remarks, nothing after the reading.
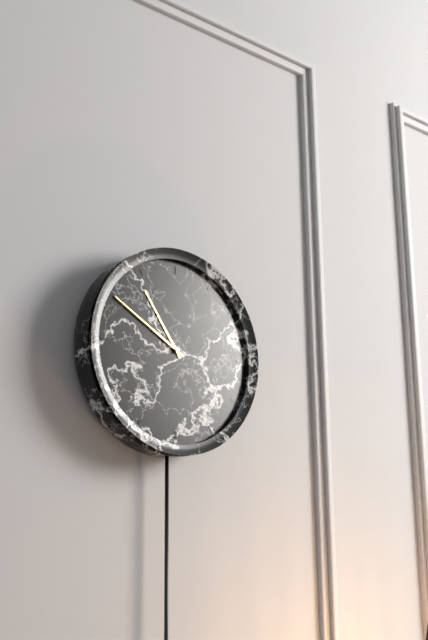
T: 10:50
